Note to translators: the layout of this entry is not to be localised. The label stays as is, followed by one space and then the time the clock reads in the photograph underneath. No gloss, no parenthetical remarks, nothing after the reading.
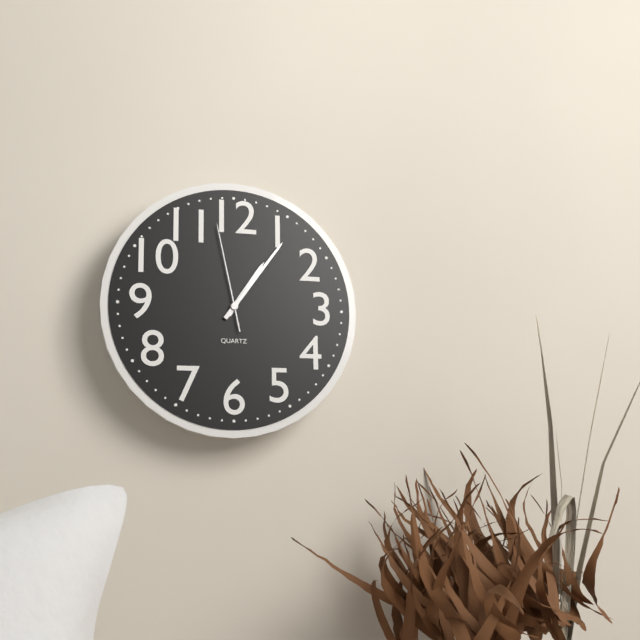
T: 1:06:58
